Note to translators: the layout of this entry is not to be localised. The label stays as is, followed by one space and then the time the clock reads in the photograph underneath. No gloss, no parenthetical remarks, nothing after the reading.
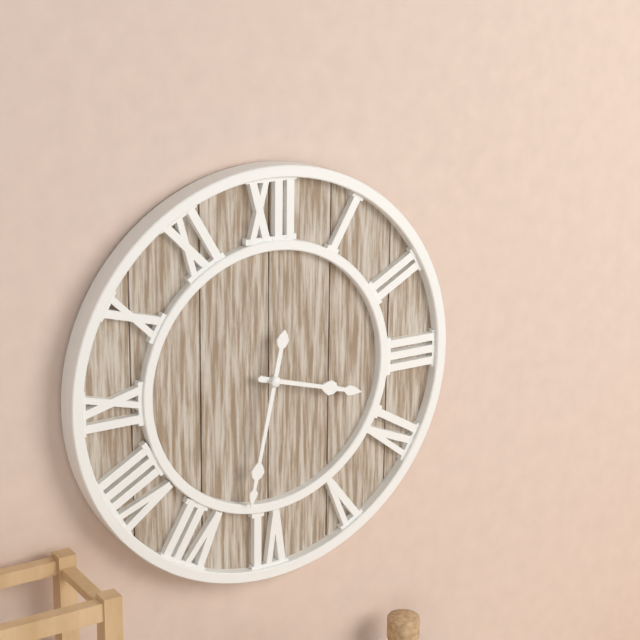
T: 3:32
